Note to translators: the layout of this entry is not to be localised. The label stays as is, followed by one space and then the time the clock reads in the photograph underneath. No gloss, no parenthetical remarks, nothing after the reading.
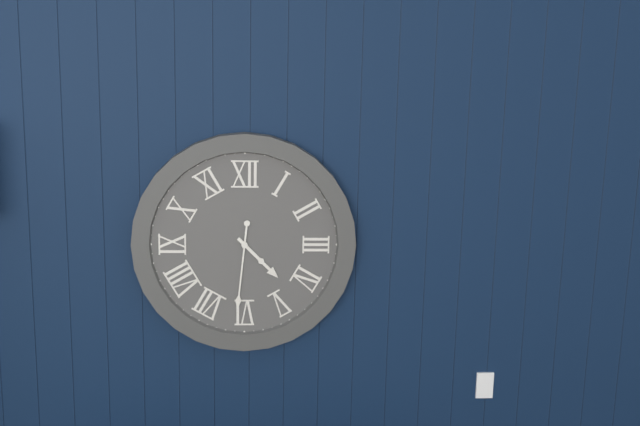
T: 4:31
